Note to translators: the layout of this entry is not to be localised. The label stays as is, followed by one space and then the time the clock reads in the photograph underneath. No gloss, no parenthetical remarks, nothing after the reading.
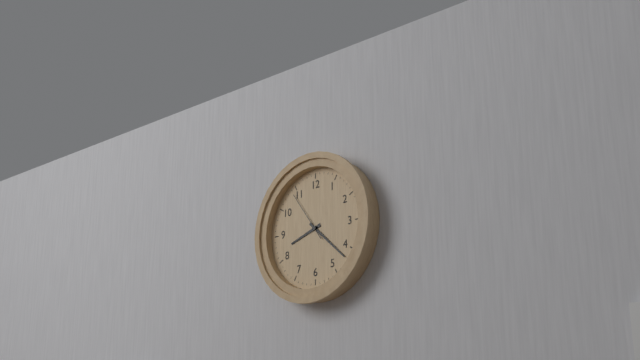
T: 8:22
